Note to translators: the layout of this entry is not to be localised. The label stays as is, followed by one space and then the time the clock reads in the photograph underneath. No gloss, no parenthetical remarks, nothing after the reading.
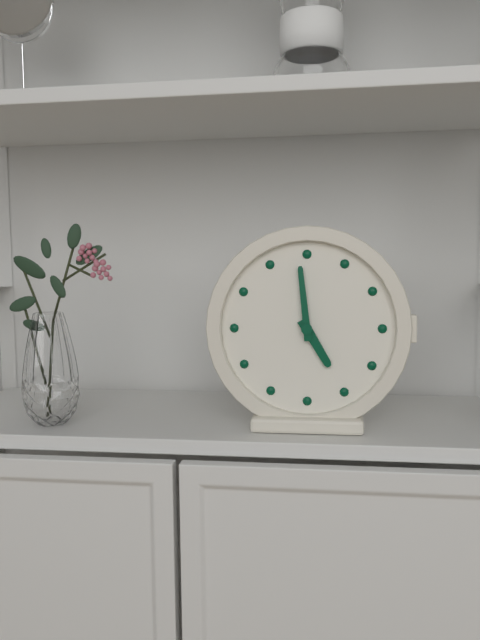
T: 4:59
